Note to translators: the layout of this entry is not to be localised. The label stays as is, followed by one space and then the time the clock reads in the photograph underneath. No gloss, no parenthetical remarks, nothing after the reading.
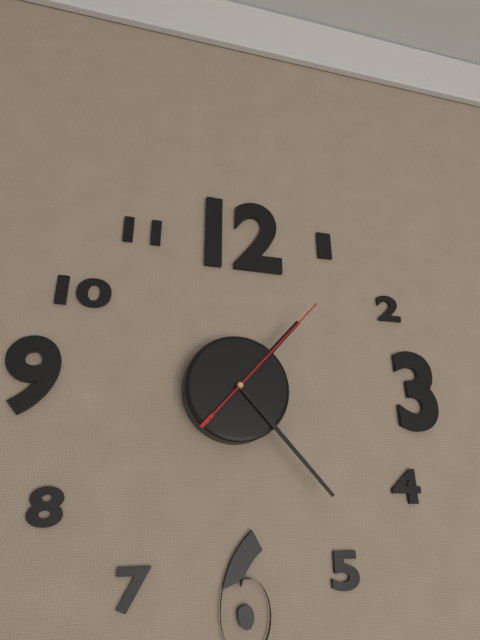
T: 1:23:07
